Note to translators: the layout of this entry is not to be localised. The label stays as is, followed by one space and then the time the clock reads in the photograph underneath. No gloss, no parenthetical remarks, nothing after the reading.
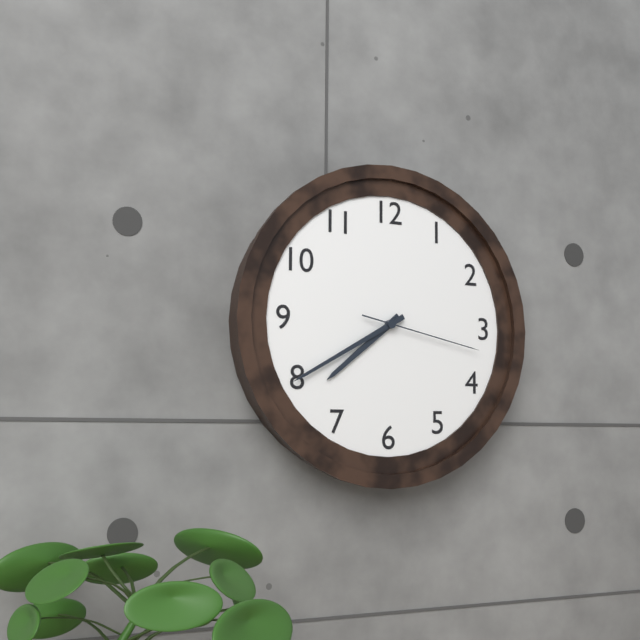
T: 7:40:17
